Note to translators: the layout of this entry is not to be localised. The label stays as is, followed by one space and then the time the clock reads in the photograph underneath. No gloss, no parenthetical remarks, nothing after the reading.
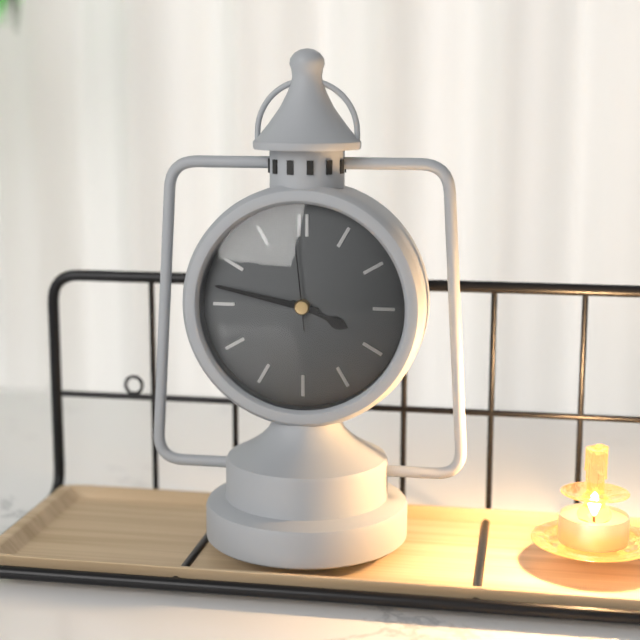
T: 3:47:59
